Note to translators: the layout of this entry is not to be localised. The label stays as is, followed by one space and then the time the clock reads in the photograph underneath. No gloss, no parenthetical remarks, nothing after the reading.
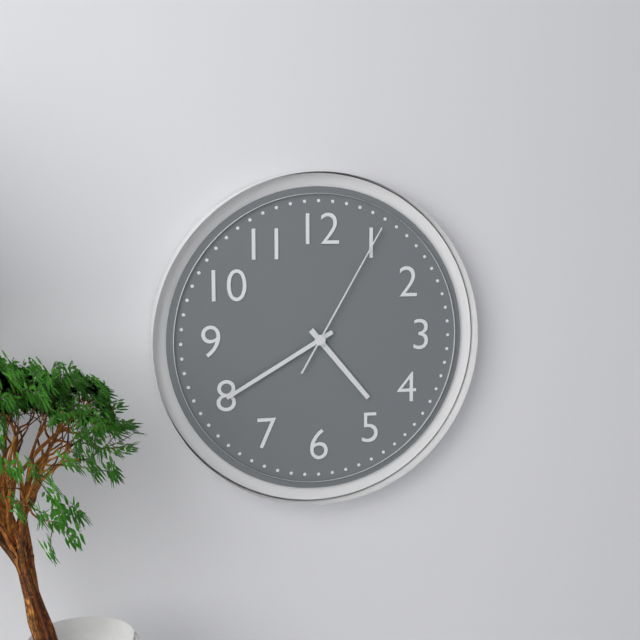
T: 4:40:05
